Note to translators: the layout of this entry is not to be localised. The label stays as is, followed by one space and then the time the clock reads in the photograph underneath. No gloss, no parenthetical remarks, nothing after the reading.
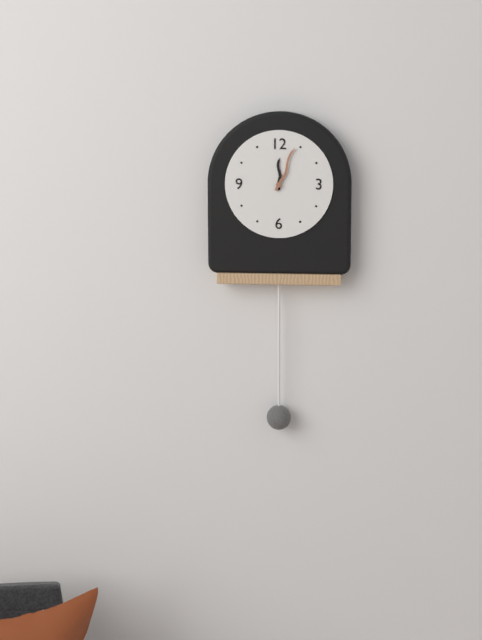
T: 12:04
